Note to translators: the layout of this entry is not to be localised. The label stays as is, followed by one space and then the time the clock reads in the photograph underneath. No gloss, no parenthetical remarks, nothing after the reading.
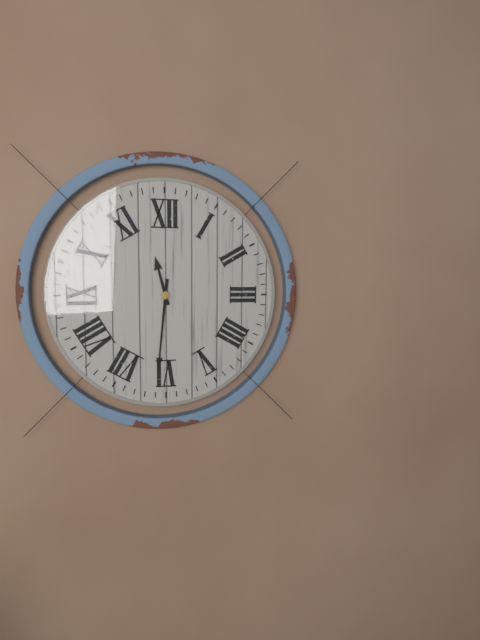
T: 11:31
